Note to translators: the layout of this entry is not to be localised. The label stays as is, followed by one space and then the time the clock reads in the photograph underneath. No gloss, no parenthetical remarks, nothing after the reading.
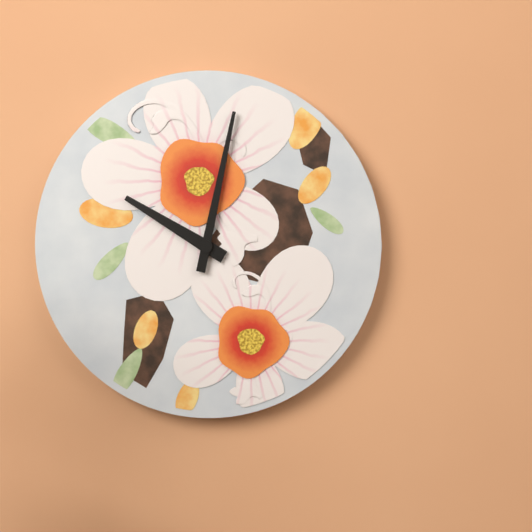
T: 10:02
